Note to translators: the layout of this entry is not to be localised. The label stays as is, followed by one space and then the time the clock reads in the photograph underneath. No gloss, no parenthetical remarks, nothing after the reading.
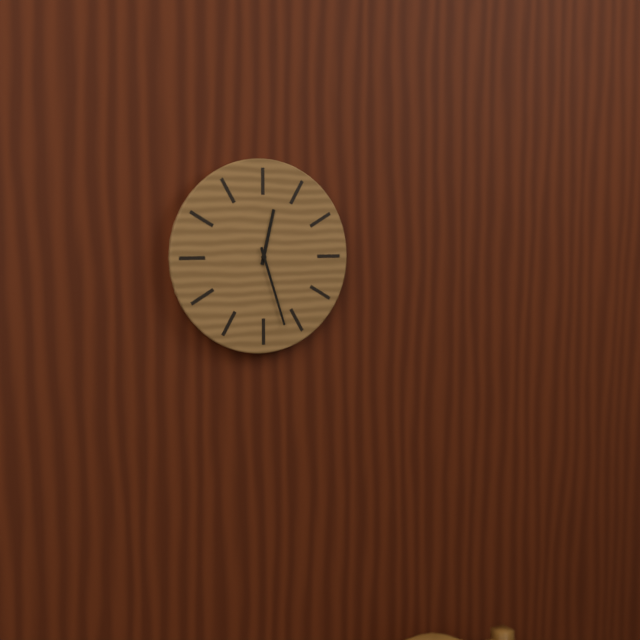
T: 12:27
